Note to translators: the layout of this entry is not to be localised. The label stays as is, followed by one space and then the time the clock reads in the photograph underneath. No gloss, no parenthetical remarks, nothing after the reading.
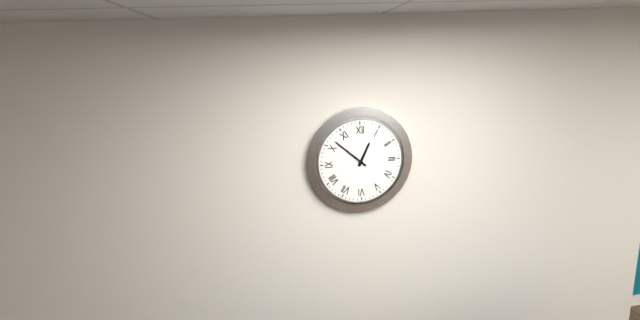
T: 12:52
